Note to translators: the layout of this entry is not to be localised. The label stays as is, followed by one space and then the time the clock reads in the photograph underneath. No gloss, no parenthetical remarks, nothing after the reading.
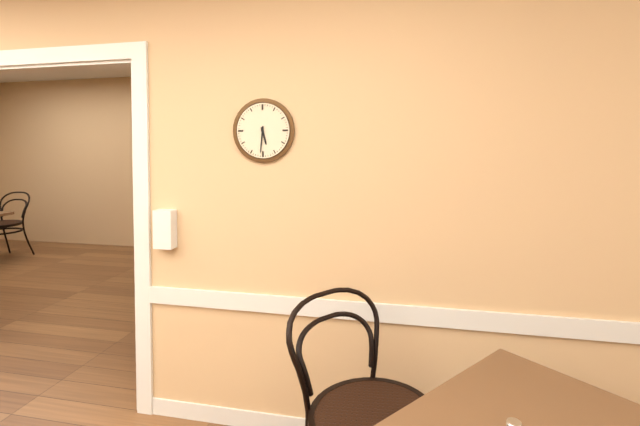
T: 5:31
